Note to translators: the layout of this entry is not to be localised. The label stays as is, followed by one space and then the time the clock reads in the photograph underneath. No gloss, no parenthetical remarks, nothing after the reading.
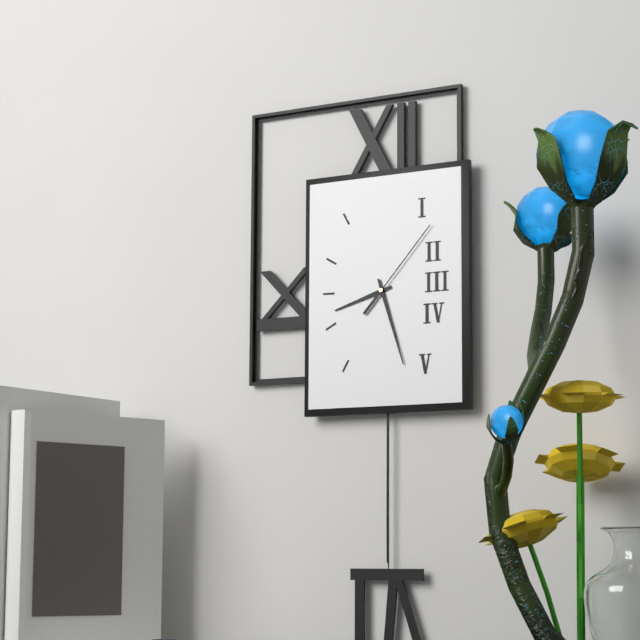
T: 8:27:07
